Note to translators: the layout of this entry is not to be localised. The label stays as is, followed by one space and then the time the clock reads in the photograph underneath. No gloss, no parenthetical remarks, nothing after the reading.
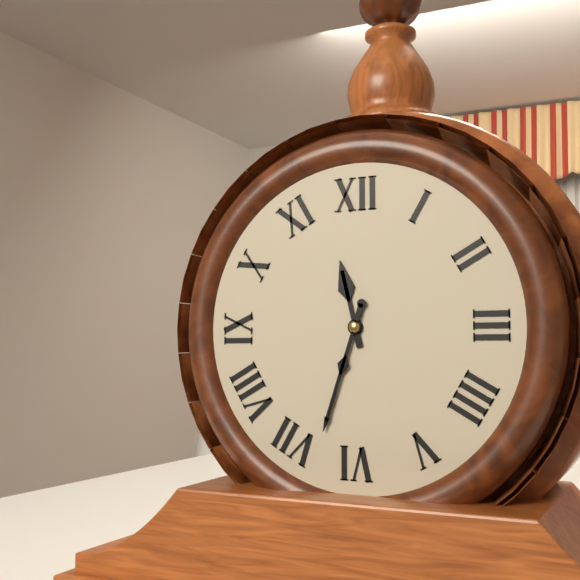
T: 11:33
